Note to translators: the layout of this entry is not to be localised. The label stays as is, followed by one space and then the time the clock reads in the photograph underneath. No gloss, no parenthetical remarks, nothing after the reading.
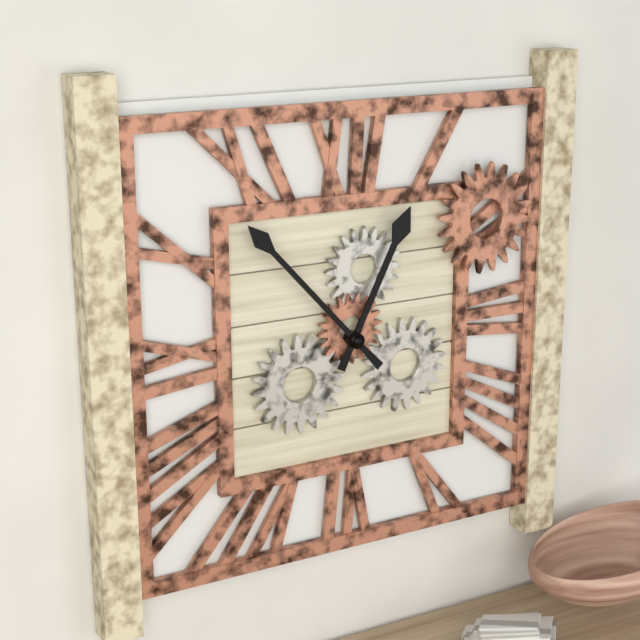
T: 12:53
